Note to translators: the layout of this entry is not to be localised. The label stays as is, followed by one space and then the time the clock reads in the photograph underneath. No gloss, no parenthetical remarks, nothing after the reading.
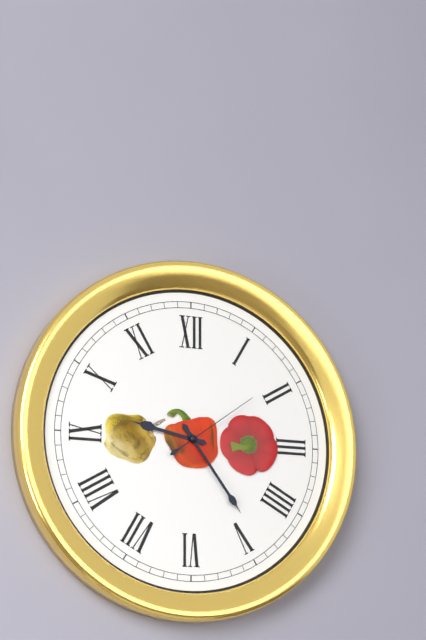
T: 9:24:09
